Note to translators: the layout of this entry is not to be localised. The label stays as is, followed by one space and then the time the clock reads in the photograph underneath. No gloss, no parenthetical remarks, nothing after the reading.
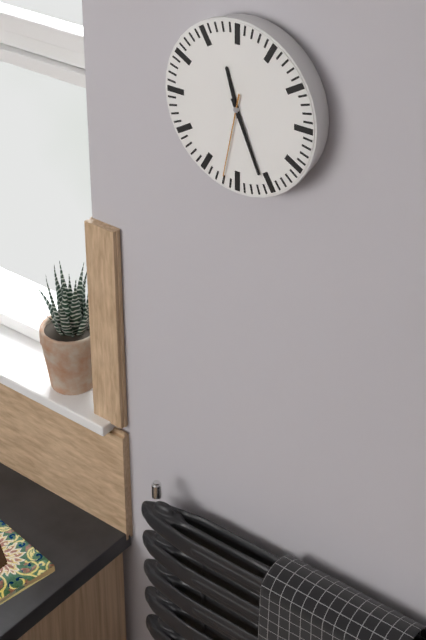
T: 11:26:32
